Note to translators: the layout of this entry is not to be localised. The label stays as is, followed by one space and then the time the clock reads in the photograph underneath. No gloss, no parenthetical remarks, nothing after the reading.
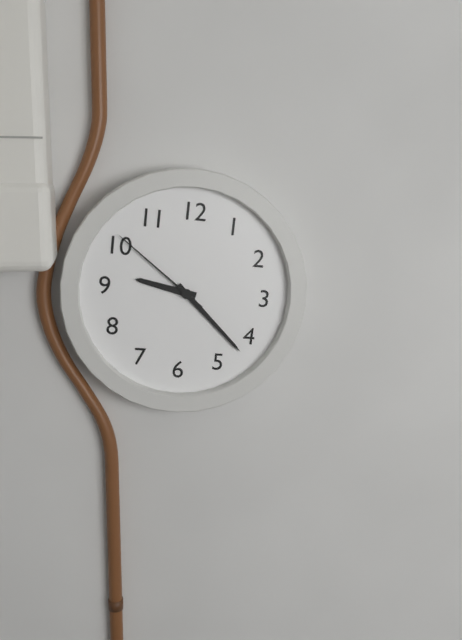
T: 9:22:51
